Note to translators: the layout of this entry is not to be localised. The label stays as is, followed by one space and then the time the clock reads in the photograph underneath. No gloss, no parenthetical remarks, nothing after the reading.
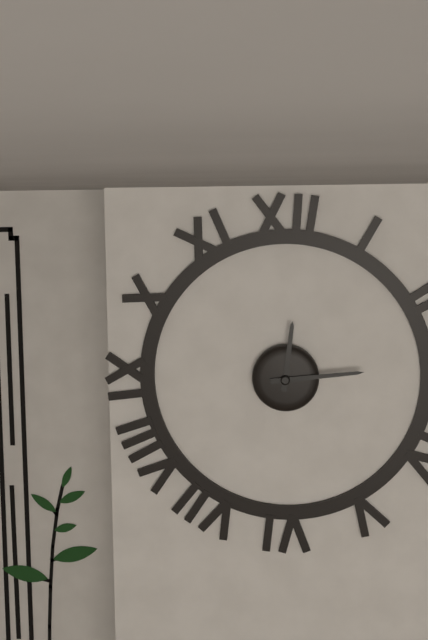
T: 12:14
